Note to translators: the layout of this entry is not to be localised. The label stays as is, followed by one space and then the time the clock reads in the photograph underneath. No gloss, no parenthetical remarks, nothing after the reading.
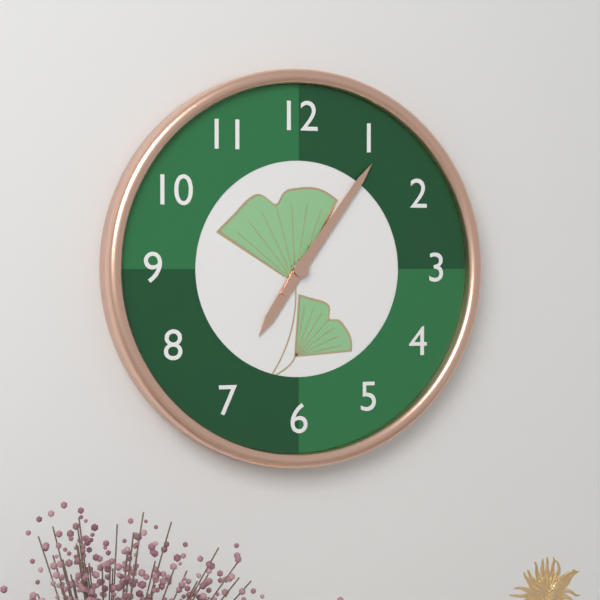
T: 7:06
